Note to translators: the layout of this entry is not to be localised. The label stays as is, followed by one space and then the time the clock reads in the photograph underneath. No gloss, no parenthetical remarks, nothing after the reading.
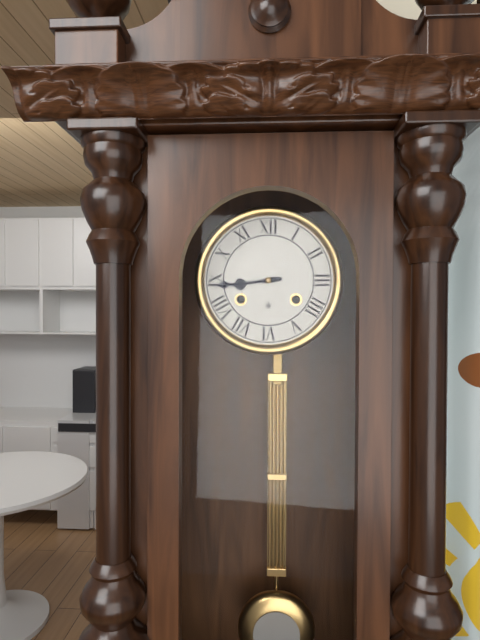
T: 8:44
